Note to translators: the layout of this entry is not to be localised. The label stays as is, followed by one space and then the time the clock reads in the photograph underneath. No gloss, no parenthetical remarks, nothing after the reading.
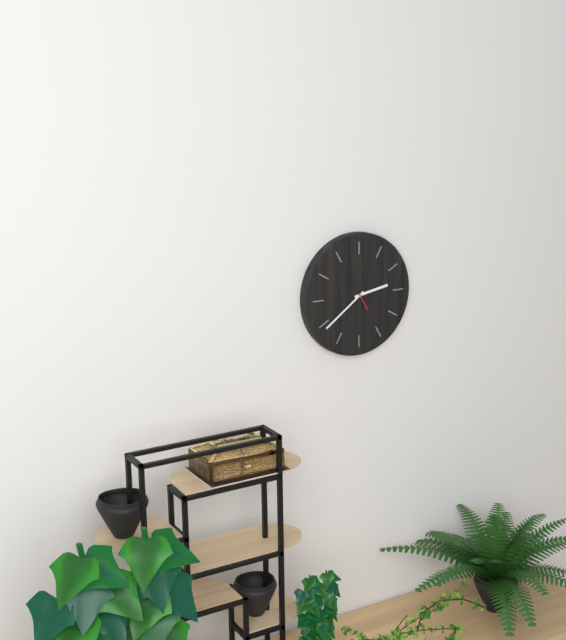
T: 2:39
